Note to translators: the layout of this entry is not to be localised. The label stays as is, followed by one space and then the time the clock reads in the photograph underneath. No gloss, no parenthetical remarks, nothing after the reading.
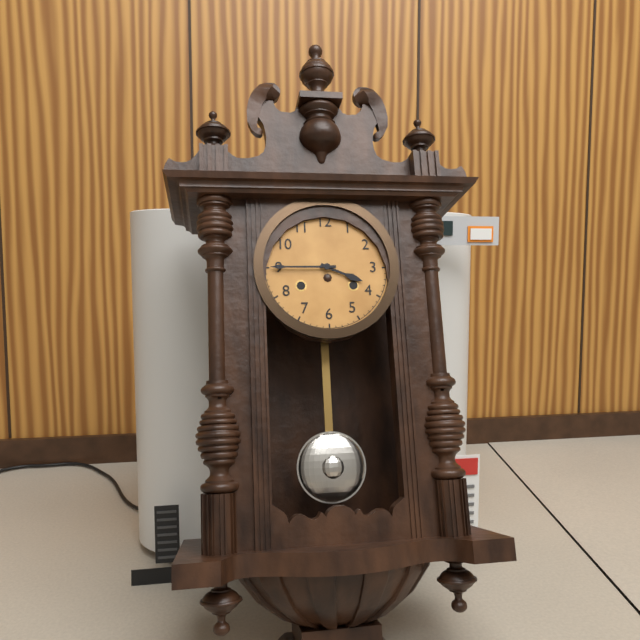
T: 3:45
